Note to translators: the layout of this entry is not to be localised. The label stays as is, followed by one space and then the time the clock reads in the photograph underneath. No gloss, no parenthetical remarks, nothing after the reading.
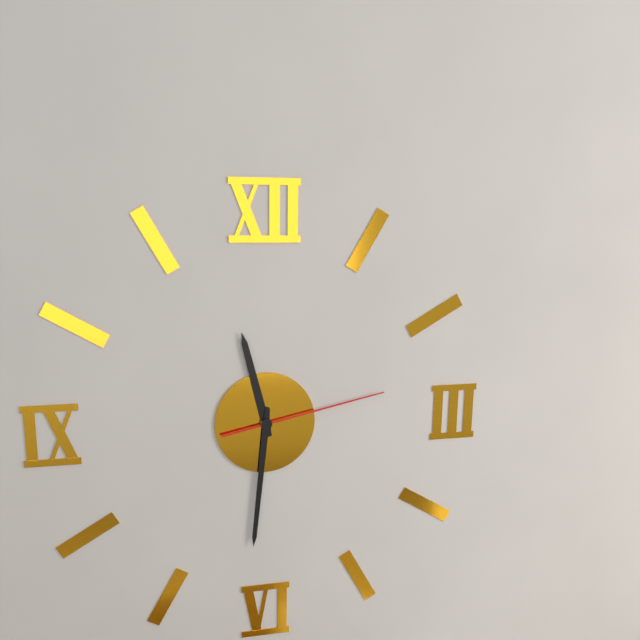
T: 11:31:13
